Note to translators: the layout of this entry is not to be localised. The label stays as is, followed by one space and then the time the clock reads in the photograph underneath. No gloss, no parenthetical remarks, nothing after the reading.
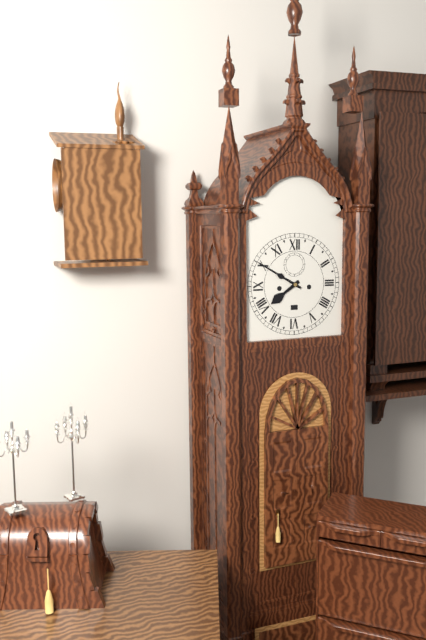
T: 7:50
